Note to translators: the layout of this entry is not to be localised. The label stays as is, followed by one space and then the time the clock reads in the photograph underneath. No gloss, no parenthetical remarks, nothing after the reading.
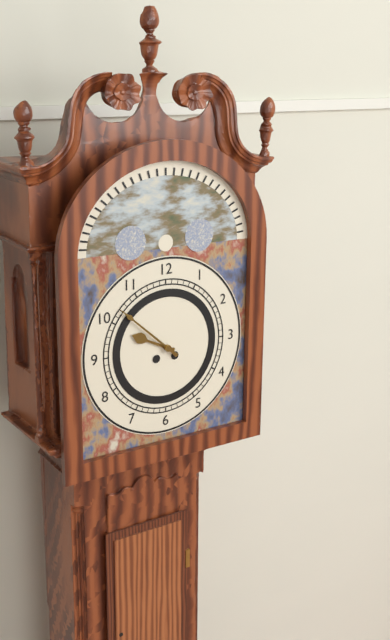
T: 9:52
